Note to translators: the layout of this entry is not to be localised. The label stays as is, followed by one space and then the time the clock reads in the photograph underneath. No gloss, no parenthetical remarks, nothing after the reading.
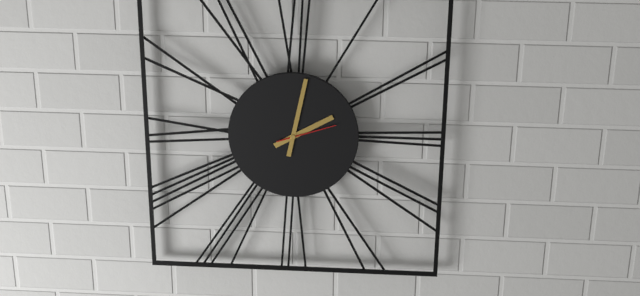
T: 2:02:12
